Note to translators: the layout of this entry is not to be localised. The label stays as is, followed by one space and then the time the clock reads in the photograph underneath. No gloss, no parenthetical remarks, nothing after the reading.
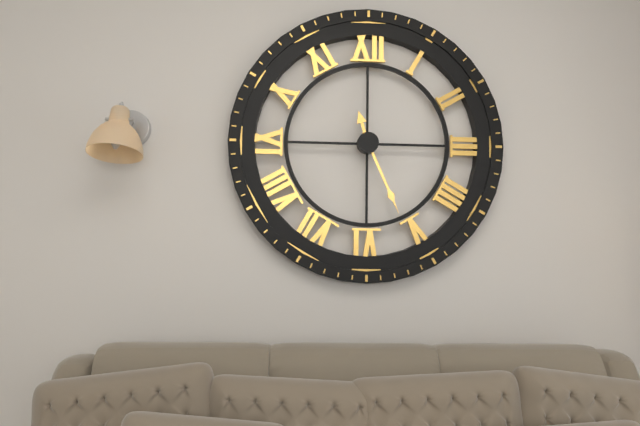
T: 11:26
